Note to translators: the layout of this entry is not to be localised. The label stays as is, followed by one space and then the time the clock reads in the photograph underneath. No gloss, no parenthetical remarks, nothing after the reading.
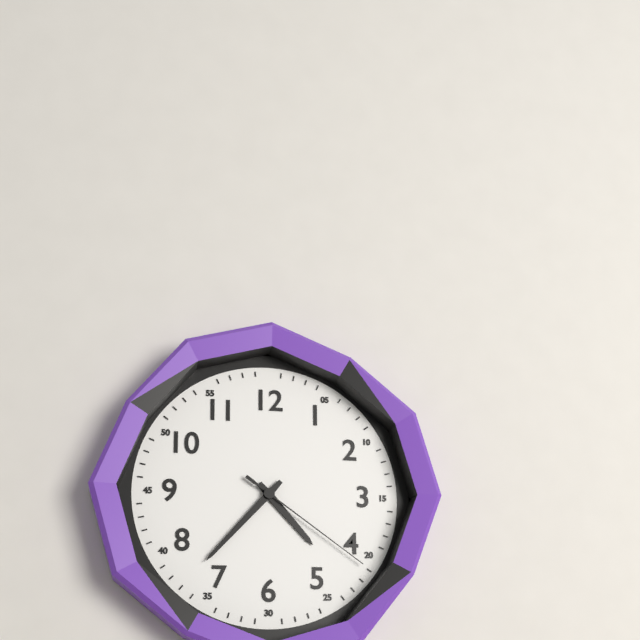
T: 4:37:21
